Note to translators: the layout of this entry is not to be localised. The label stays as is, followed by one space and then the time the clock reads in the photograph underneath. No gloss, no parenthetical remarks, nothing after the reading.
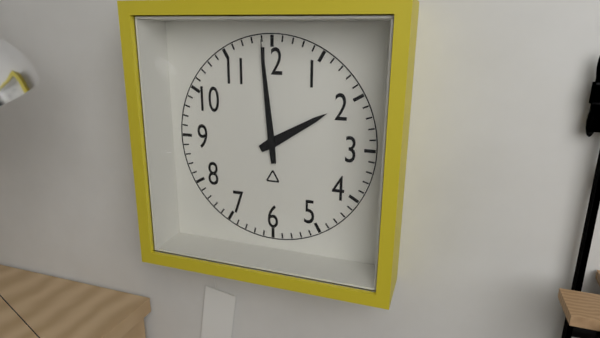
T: 1:59
